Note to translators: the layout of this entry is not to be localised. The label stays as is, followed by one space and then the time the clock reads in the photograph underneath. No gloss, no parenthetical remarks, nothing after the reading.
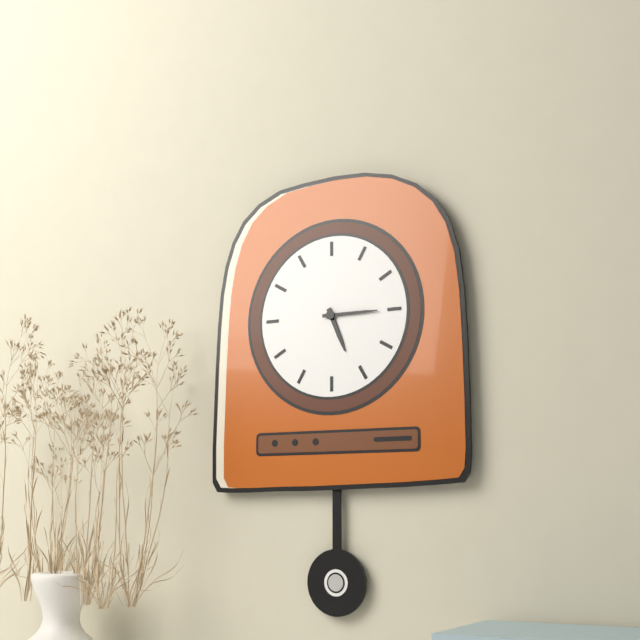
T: 5:15
